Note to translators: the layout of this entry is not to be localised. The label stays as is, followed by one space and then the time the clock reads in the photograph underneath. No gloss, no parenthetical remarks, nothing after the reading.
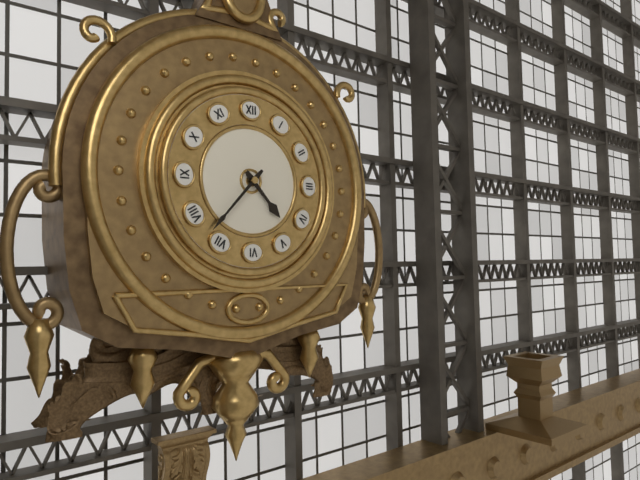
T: 4:37
